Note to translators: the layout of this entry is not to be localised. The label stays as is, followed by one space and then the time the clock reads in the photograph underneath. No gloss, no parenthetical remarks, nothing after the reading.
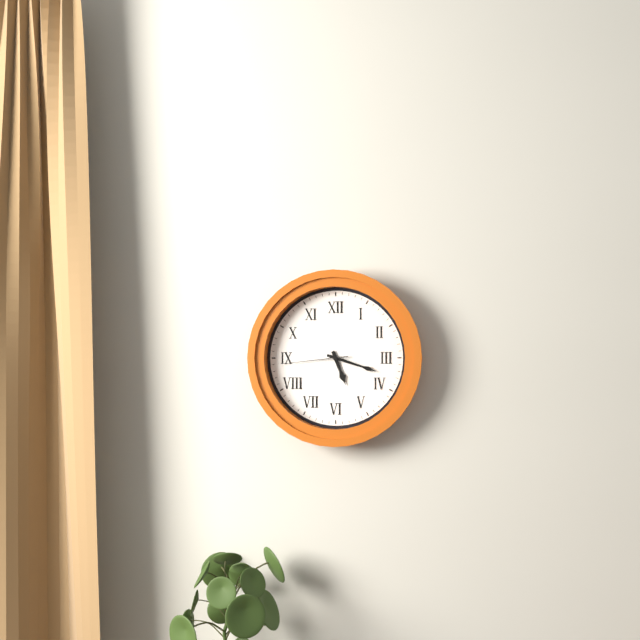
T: 5:18:44
